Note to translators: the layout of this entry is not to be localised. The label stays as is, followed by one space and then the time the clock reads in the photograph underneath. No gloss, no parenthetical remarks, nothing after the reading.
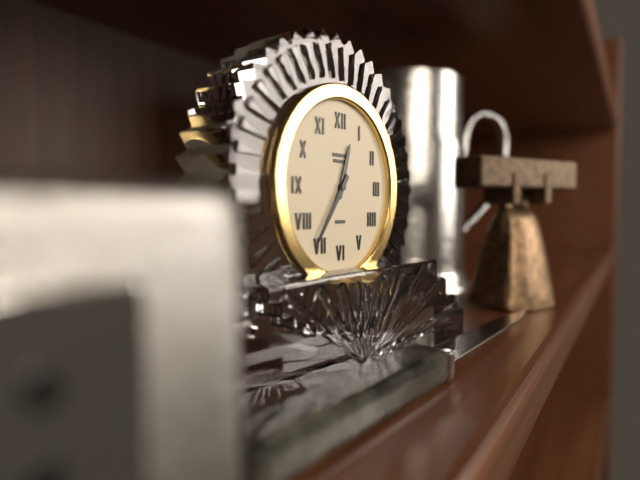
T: 12:36
